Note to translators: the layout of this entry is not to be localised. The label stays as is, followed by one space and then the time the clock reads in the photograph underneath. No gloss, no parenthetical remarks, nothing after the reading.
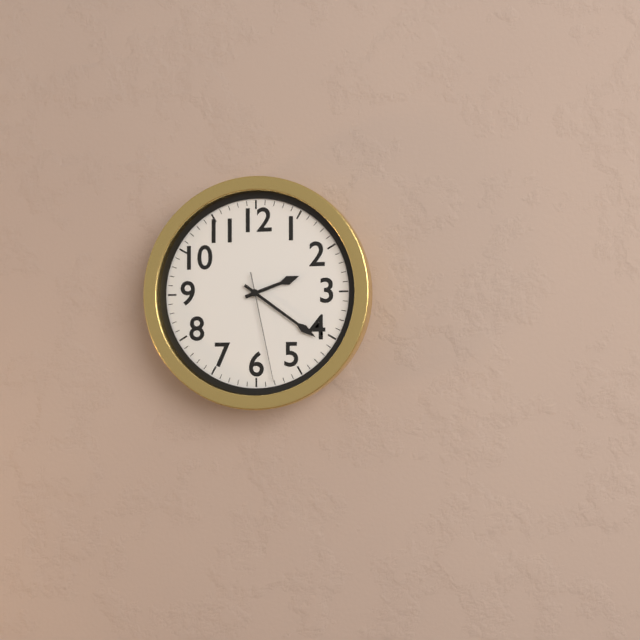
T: 2:21:28
